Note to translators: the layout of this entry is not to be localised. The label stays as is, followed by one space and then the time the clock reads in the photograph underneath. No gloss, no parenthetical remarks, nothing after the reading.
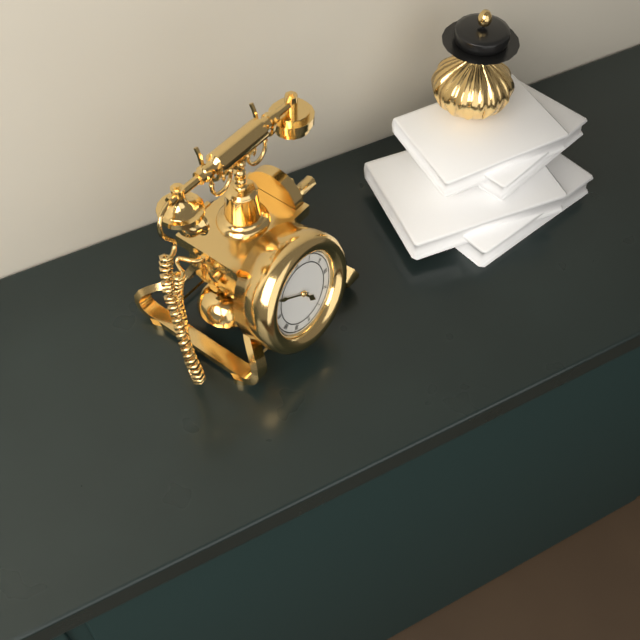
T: 4:50
